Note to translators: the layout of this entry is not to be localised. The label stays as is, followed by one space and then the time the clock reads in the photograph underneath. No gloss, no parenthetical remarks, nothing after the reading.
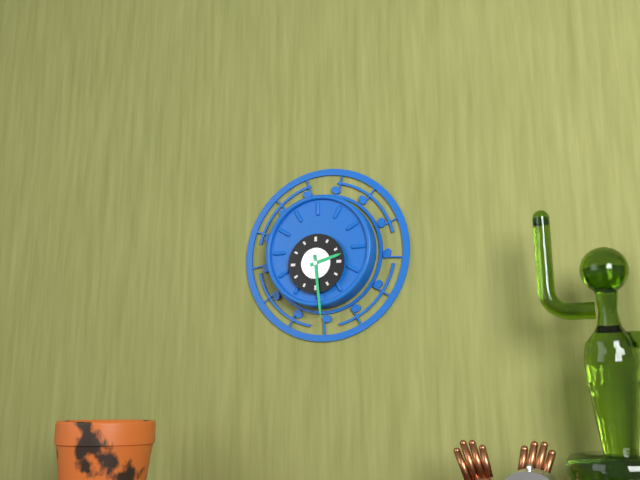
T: 2:29
